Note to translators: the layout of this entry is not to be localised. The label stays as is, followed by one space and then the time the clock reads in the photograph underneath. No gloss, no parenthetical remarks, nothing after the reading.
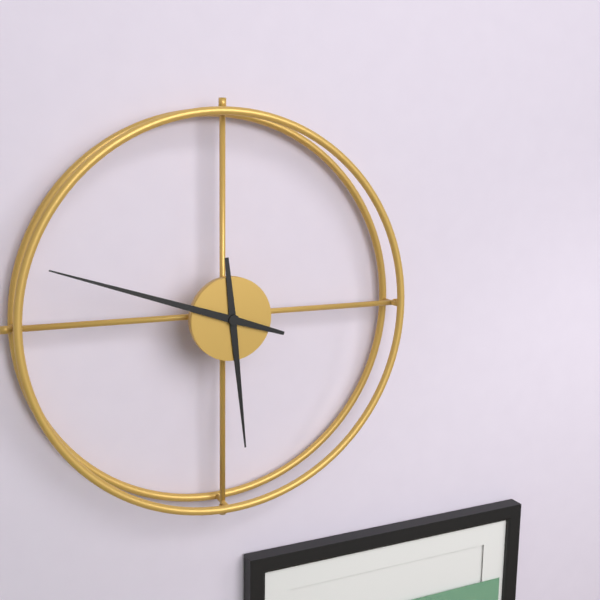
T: 5:48
